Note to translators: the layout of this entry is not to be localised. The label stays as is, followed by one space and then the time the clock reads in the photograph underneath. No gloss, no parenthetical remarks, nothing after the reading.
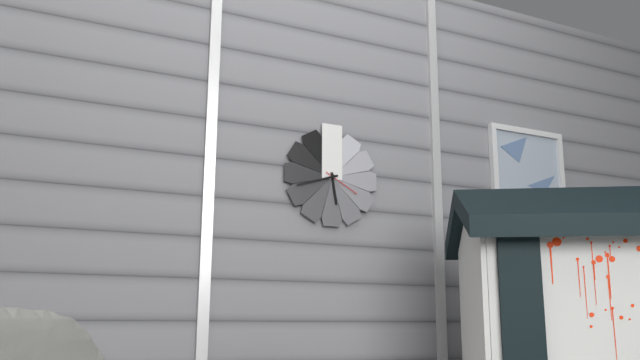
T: 5:42
